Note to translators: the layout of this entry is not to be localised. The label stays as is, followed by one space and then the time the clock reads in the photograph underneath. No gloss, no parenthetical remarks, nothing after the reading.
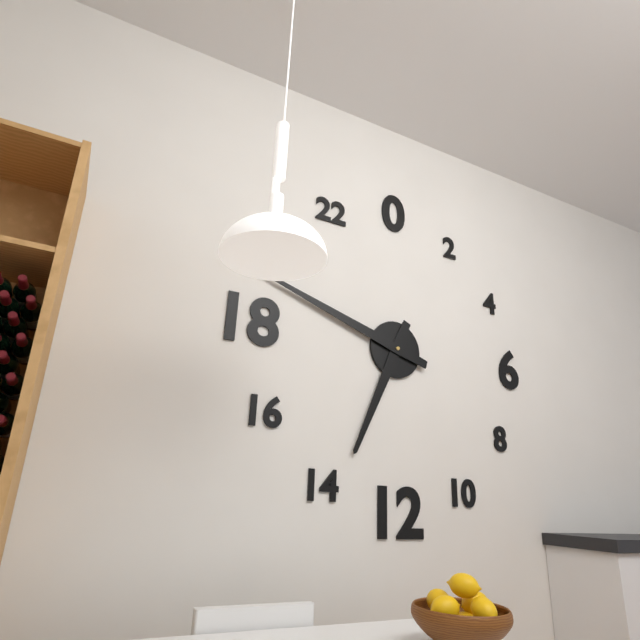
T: 6:48
